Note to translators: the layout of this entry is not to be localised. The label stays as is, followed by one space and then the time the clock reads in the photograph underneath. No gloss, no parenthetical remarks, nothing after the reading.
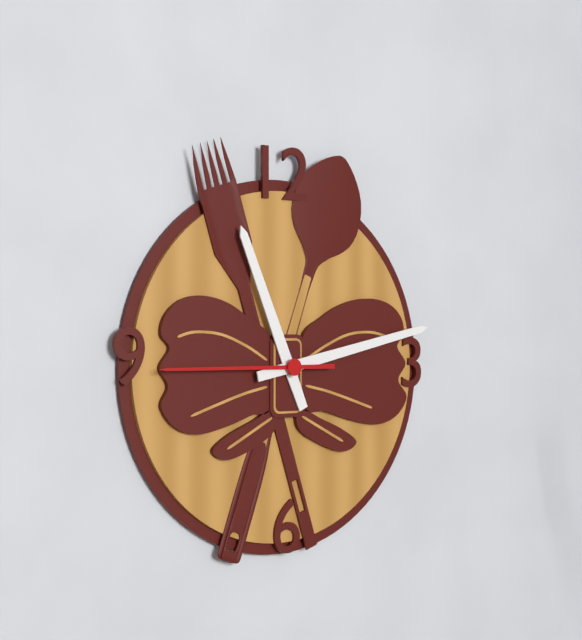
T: 11:13:45
